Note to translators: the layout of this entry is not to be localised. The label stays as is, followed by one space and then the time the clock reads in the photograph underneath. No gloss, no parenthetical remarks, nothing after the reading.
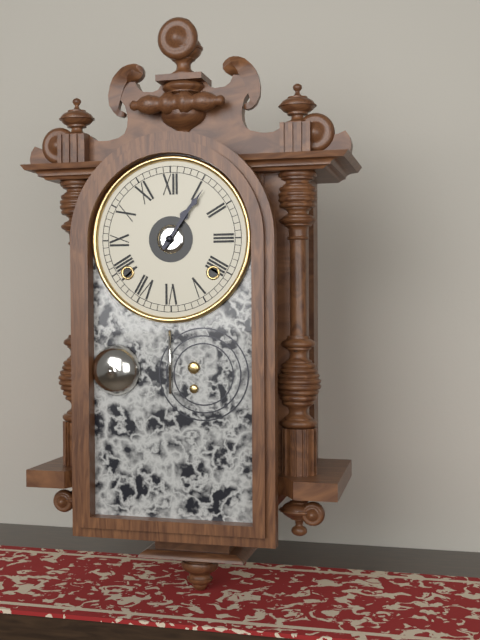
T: 1:06
